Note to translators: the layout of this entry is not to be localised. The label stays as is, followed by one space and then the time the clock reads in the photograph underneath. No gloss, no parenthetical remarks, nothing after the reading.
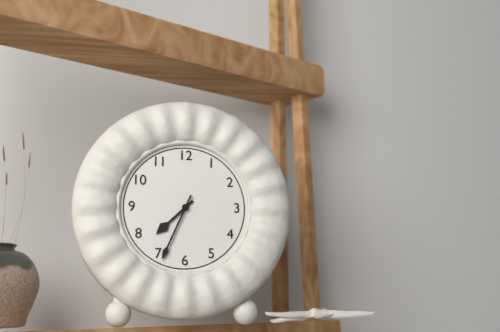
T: 7:34
